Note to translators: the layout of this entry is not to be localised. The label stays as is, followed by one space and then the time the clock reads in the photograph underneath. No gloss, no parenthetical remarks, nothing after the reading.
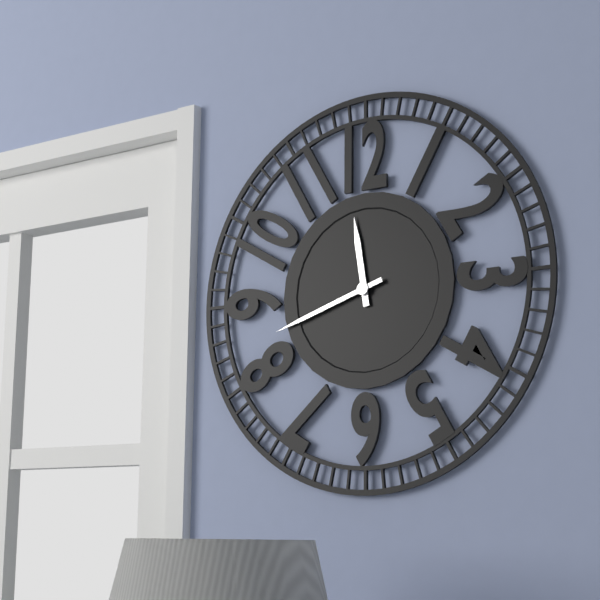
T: 11:42
